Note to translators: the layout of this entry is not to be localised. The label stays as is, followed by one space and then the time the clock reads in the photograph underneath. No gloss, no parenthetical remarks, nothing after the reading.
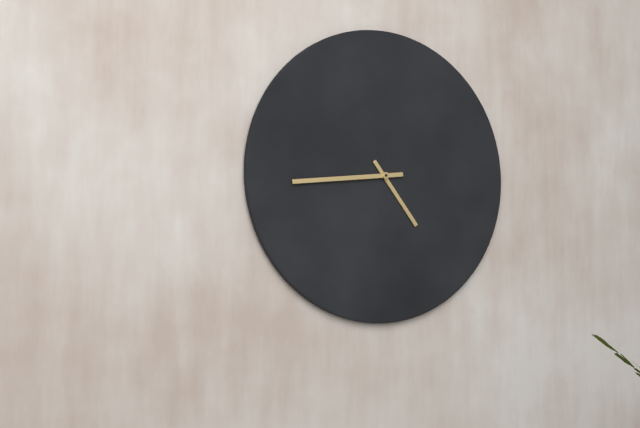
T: 4:44
